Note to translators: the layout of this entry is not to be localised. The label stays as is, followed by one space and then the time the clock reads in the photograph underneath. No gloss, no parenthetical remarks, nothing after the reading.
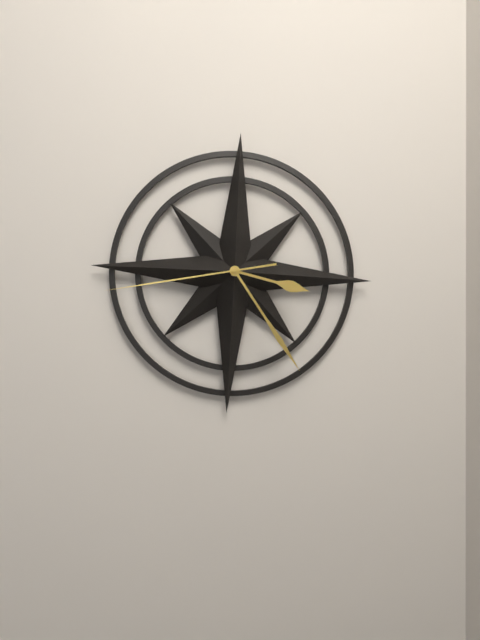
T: 3:24:43
